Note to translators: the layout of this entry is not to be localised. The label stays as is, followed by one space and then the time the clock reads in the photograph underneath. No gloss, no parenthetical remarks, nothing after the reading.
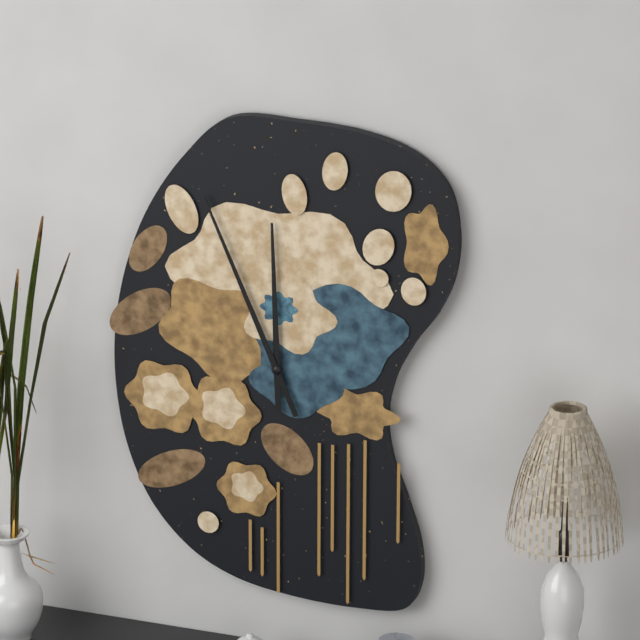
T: 11:56
